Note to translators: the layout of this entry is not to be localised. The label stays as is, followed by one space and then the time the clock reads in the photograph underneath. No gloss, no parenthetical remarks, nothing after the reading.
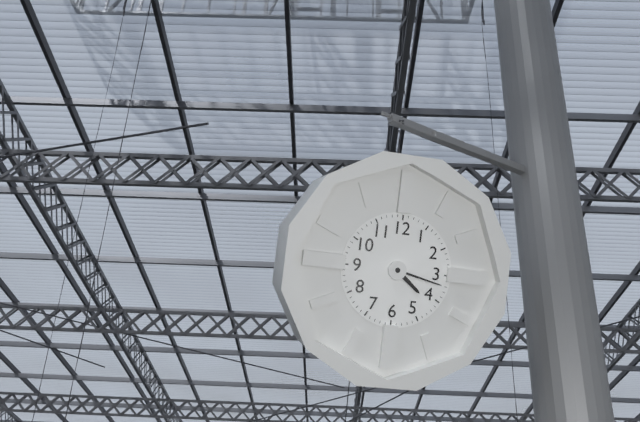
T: 4:17
